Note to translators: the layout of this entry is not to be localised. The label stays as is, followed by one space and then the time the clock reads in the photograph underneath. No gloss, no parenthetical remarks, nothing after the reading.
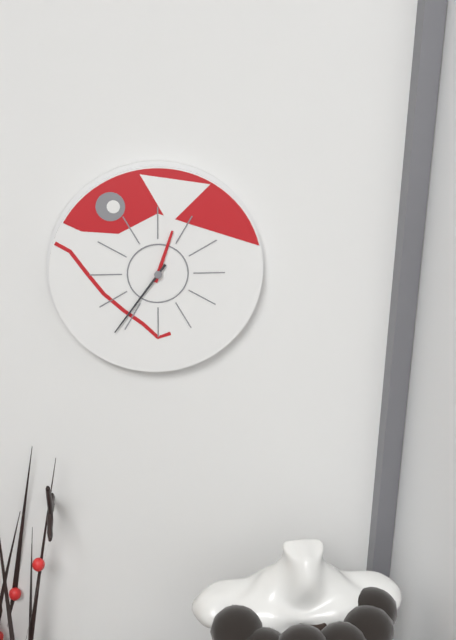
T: 12:36
